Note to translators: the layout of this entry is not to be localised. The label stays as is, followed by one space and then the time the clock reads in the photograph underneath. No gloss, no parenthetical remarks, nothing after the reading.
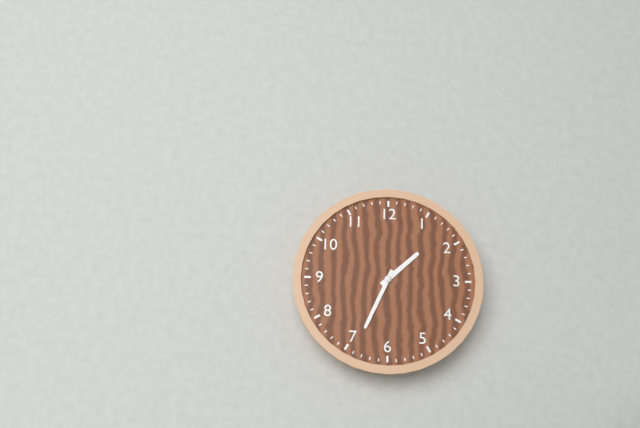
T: 1:34
